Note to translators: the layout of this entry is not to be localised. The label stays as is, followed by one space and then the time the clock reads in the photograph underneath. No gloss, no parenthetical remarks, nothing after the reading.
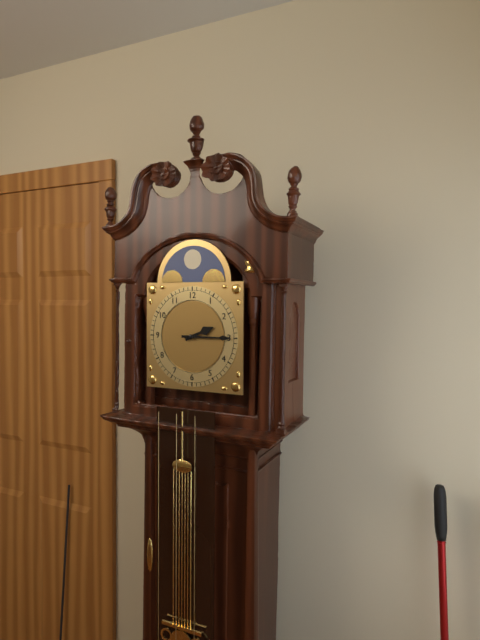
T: 2:15
